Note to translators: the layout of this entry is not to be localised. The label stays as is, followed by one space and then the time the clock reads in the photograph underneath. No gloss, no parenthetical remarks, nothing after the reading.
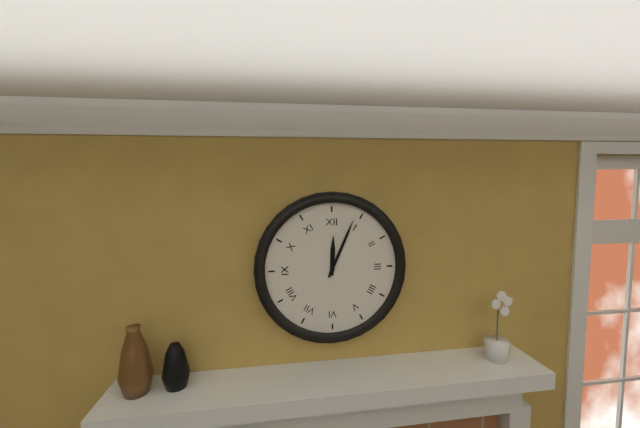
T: 12:04
